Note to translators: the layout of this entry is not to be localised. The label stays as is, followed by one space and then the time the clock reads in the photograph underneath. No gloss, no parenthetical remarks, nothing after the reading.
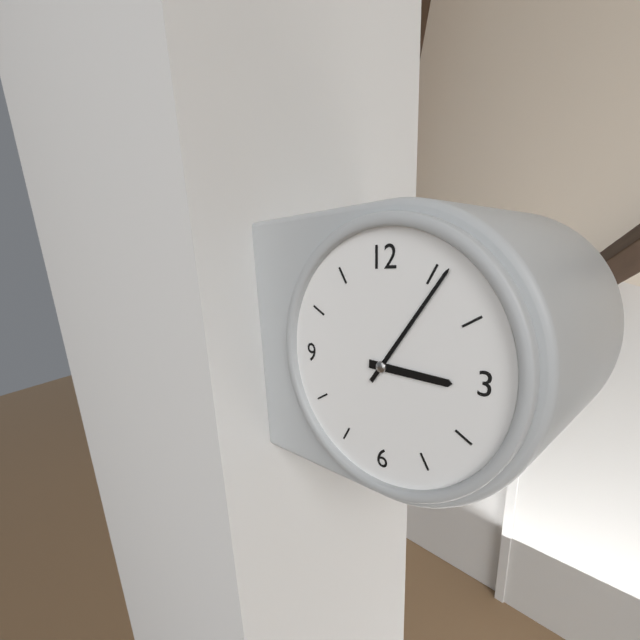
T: 3:06
